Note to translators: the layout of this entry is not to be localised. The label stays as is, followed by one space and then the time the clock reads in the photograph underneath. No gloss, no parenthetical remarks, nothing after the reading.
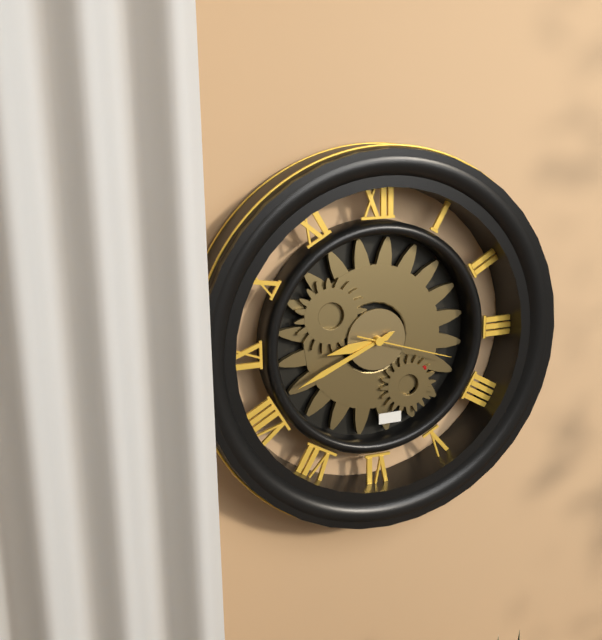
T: 8:41:18
